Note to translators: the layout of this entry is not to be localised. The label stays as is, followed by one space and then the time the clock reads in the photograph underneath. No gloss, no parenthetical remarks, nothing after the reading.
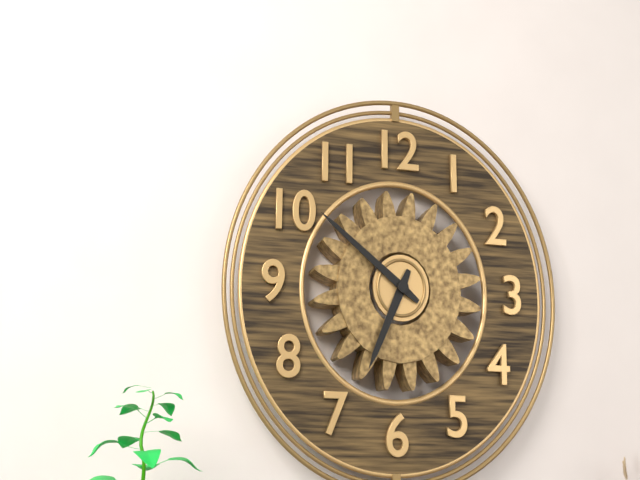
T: 6:51
